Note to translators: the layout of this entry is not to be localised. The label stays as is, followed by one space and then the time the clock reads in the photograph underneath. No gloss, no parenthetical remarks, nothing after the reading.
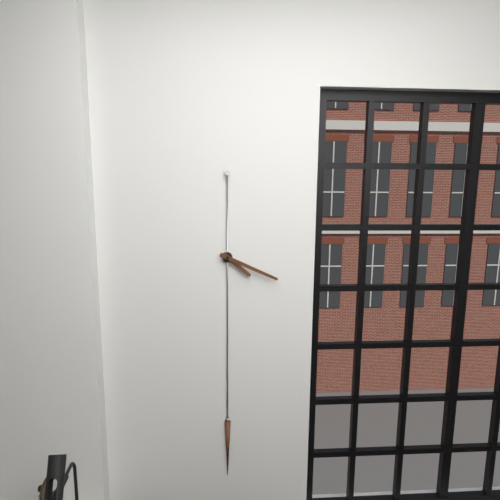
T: 4:19
